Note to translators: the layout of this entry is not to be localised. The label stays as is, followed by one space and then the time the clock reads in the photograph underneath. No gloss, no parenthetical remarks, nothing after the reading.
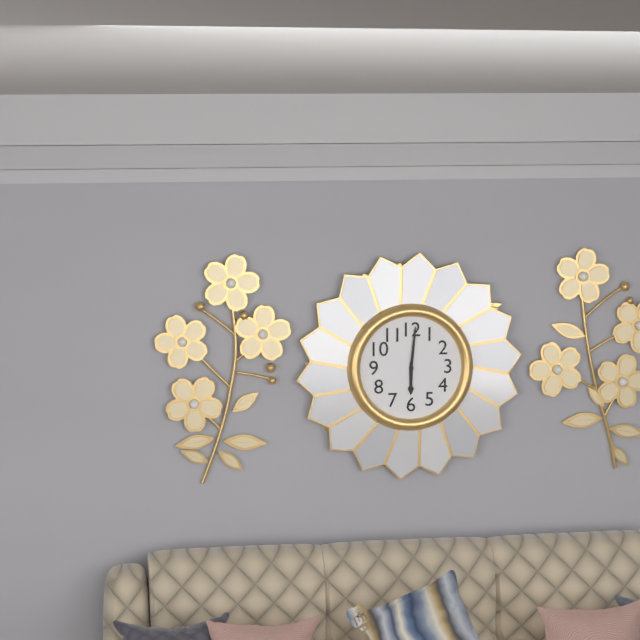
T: 6:01
